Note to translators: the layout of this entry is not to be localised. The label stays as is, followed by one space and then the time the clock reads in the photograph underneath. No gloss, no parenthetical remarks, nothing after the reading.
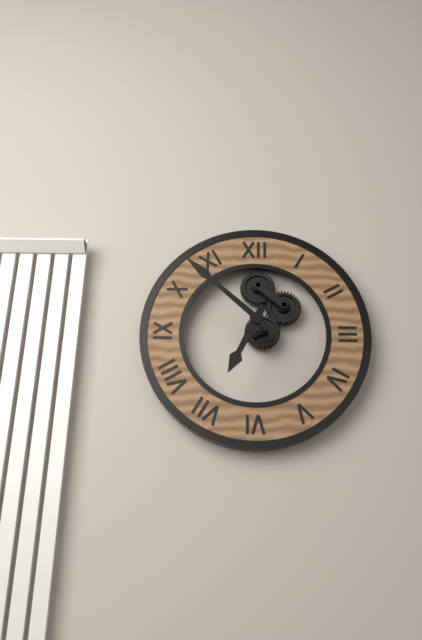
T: 6:52
